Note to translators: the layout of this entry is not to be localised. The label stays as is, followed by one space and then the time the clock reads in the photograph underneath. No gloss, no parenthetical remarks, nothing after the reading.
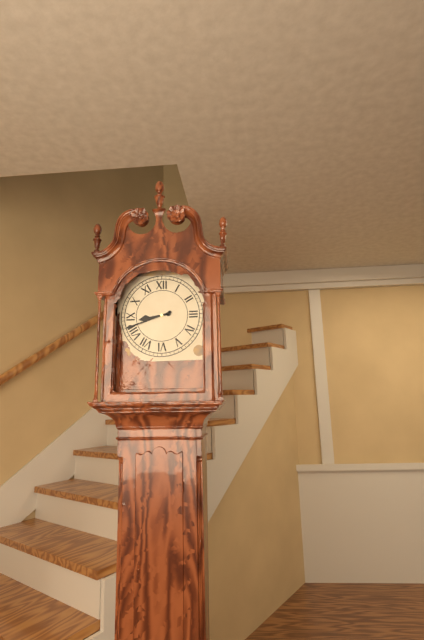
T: 8:42
